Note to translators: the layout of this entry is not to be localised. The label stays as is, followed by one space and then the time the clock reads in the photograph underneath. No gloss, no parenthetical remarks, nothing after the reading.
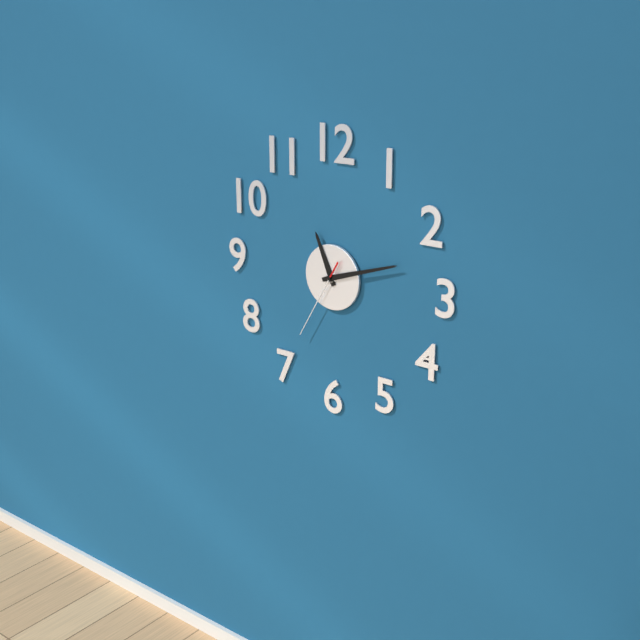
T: 11:12:35
